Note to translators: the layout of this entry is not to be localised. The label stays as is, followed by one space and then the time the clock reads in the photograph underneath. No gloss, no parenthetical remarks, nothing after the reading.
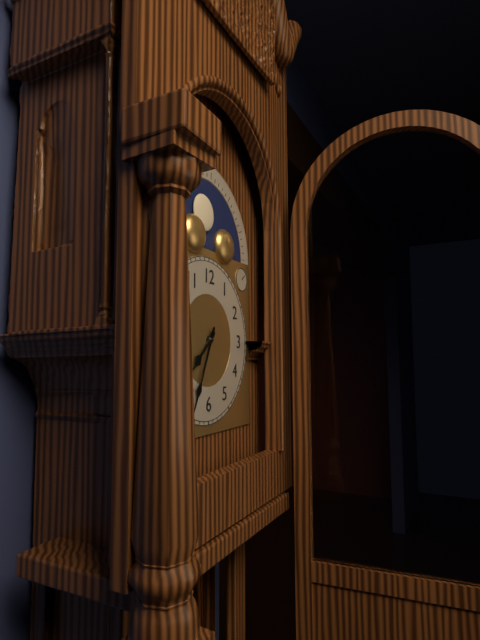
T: 7:34
